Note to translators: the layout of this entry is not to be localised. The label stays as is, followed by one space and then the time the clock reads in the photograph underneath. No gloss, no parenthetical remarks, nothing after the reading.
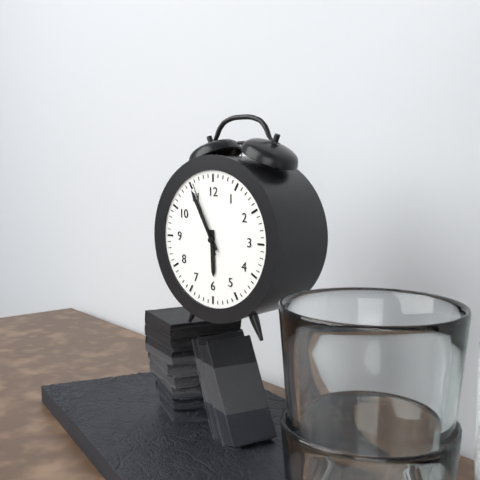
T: 5:55:56
